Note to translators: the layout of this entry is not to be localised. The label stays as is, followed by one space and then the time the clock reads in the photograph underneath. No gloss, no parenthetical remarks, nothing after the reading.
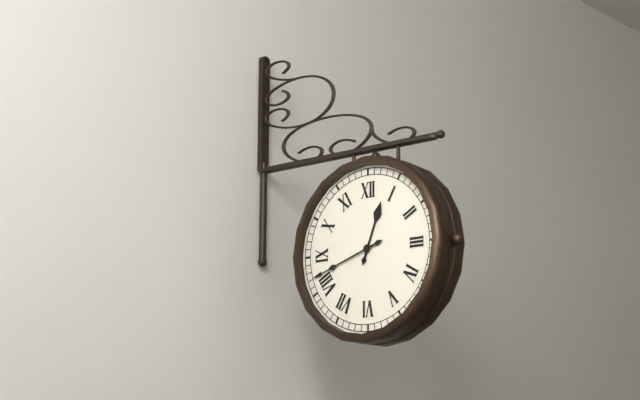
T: 12:42
